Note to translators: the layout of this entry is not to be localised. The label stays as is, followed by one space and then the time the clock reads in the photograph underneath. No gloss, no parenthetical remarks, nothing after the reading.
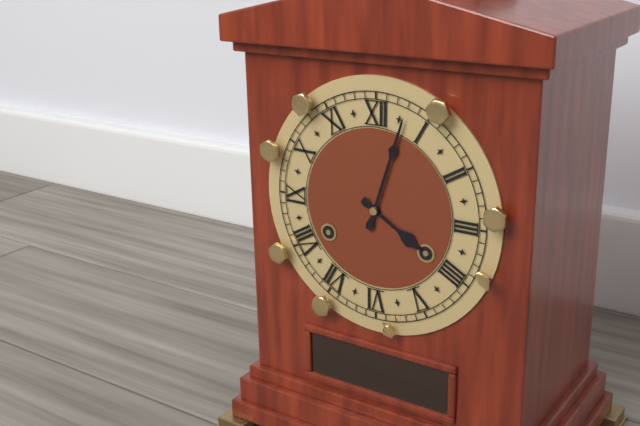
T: 4:03
